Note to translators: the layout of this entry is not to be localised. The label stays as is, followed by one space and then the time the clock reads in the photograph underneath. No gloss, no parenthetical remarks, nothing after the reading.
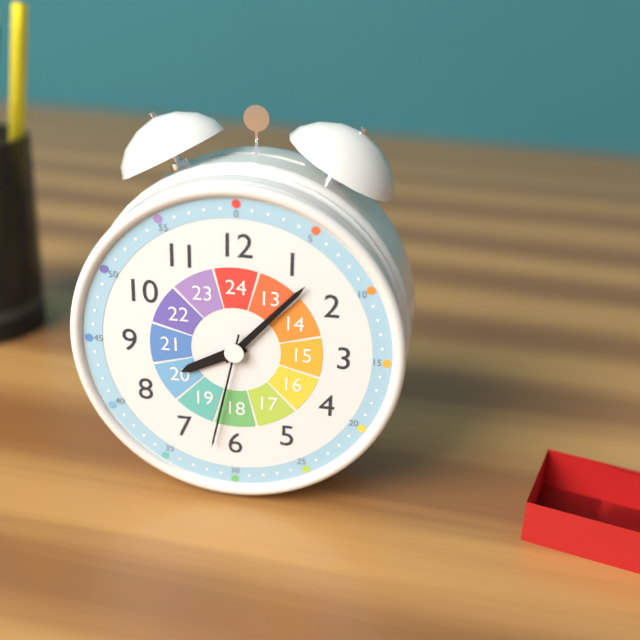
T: 8:07:32
